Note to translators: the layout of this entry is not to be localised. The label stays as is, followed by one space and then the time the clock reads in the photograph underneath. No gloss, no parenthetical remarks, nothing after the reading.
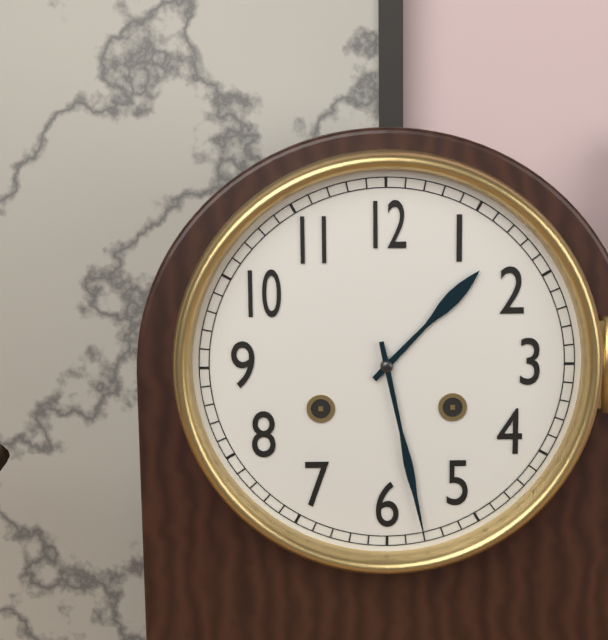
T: 1:28
